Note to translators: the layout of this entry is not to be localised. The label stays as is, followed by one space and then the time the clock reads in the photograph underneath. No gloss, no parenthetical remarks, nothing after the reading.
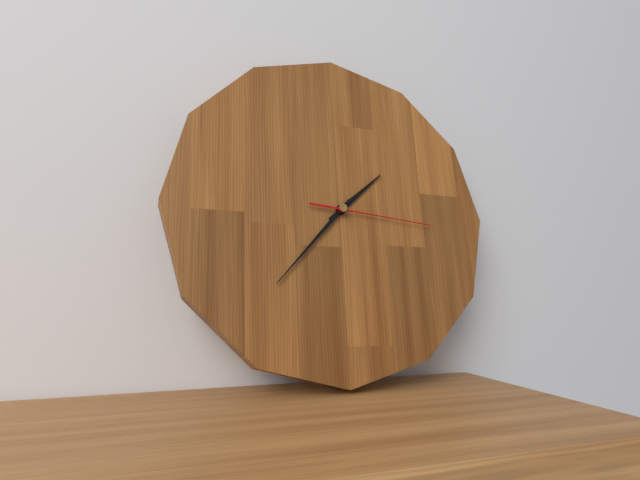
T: 1:37:16
